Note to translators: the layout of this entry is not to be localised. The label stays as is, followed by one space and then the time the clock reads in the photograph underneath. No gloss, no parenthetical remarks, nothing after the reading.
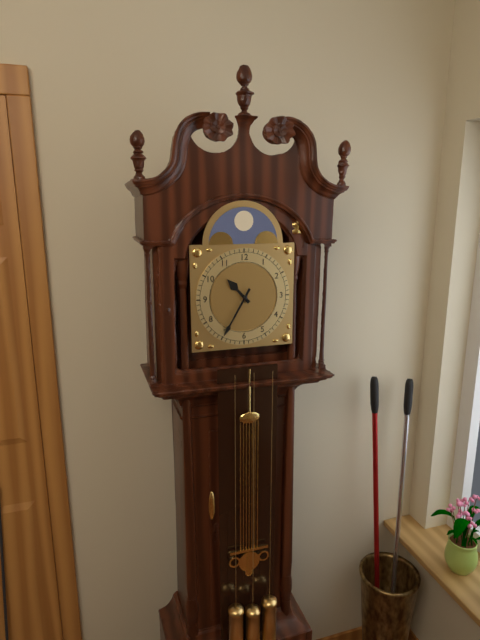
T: 10:35
